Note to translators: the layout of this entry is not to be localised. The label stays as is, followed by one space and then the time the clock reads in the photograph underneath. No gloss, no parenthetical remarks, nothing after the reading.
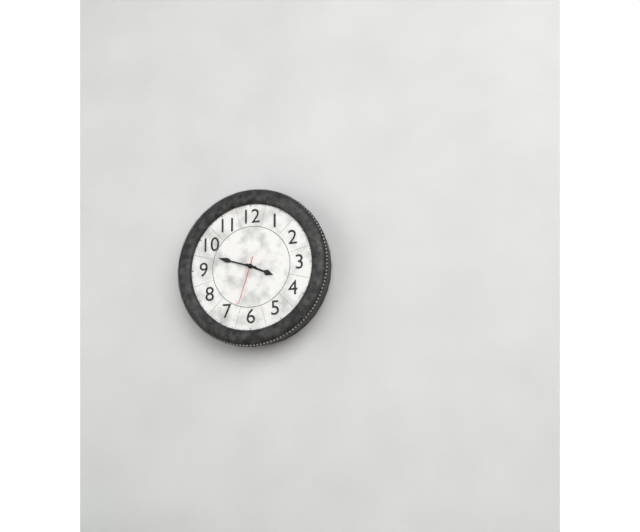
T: 3:48
